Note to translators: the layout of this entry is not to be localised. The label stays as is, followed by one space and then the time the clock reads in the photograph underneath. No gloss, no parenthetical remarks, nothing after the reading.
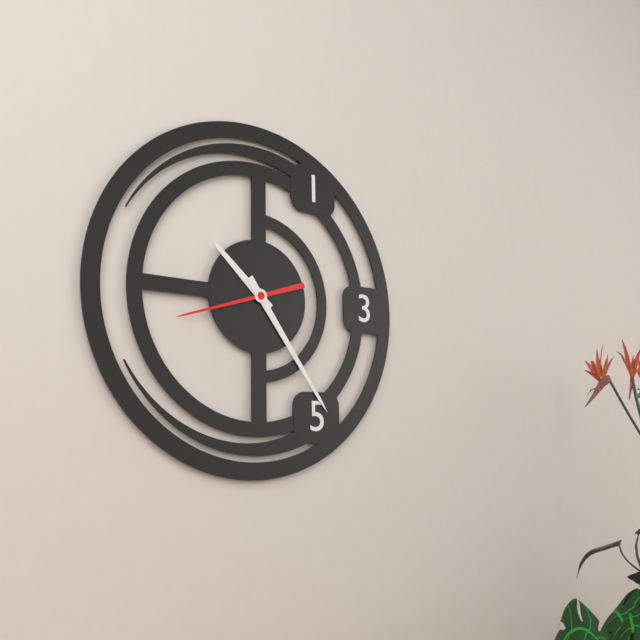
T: 10:24:42
